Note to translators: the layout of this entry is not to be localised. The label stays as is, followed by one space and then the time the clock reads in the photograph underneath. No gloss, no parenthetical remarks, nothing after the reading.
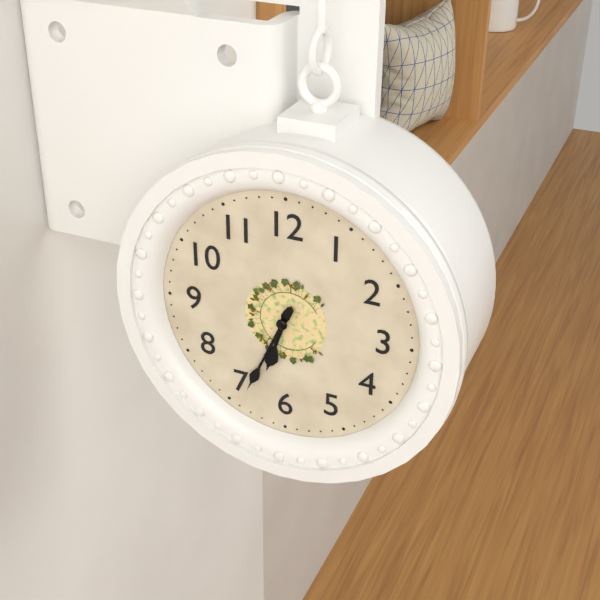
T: 6:34
